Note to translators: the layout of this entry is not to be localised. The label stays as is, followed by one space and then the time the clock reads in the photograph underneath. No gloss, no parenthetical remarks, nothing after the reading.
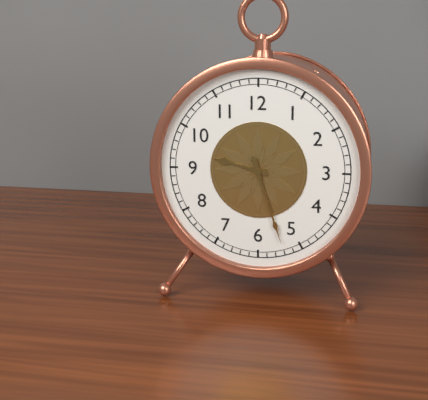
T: 9:27
